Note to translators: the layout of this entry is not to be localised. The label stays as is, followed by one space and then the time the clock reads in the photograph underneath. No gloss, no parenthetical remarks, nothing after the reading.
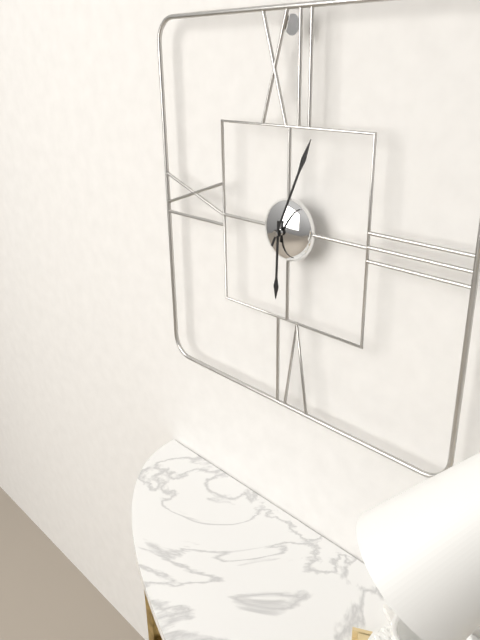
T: 6:04
